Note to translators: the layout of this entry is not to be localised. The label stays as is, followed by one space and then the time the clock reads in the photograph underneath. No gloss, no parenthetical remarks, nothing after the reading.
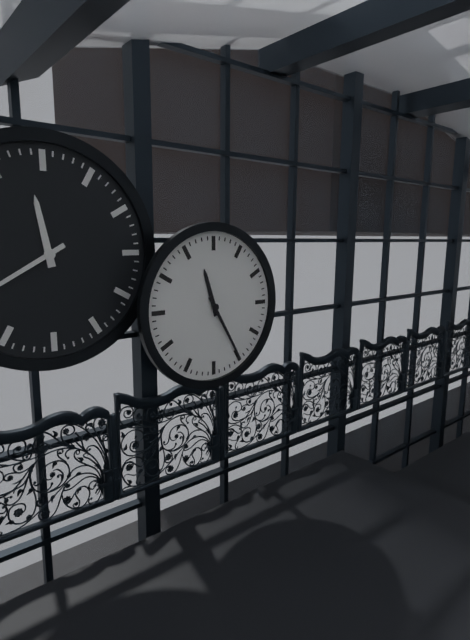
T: 11:25
